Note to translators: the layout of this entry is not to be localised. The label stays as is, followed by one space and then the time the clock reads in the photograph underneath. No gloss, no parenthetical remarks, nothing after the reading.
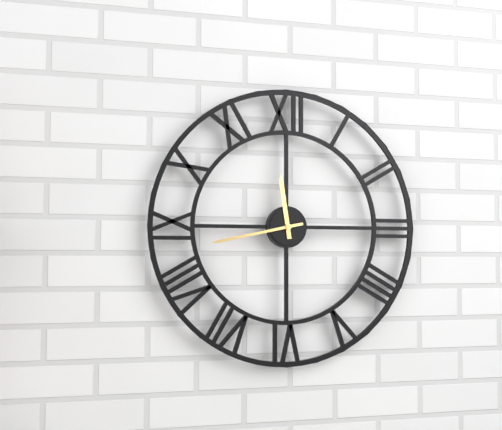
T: 11:43
